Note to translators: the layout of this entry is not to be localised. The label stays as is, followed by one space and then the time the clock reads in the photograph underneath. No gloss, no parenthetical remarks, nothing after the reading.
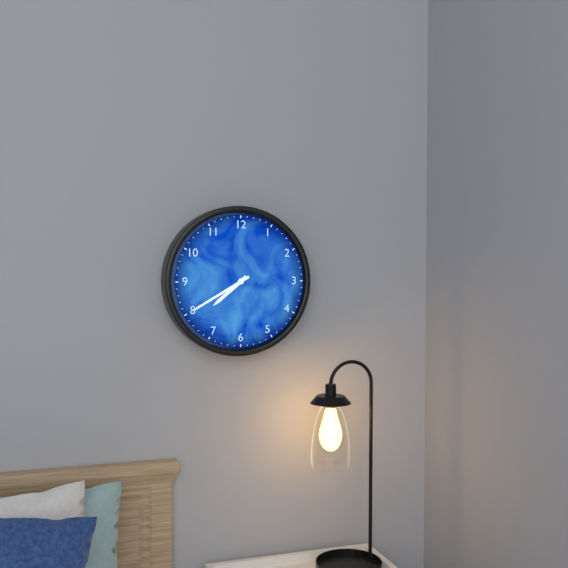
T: 7:40
